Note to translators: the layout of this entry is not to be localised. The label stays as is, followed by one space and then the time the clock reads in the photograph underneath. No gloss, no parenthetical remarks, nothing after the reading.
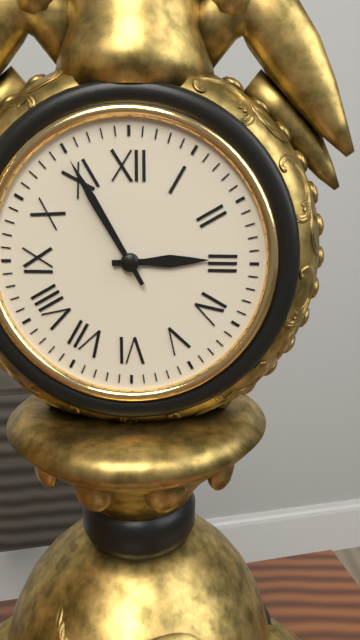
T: 2:55
